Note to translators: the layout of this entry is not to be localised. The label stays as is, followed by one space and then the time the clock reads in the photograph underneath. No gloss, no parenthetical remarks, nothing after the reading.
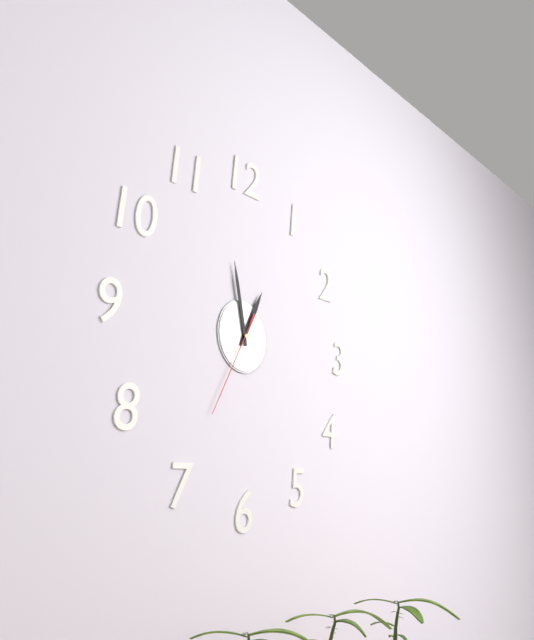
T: 12:58:35
